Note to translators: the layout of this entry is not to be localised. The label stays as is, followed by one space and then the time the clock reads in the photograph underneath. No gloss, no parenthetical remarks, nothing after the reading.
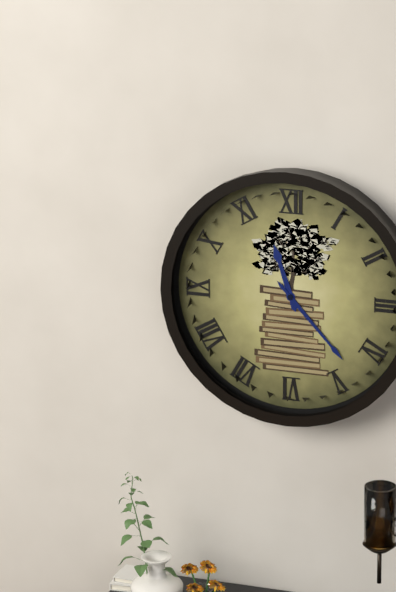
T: 11:23
